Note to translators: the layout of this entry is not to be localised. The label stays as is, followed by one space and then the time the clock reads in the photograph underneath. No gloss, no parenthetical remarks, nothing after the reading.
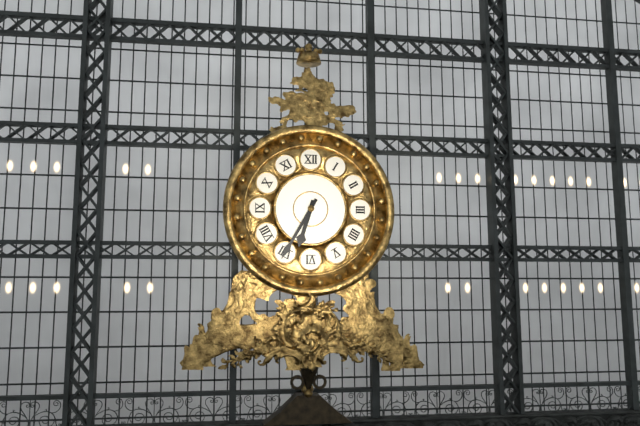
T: 6:35
